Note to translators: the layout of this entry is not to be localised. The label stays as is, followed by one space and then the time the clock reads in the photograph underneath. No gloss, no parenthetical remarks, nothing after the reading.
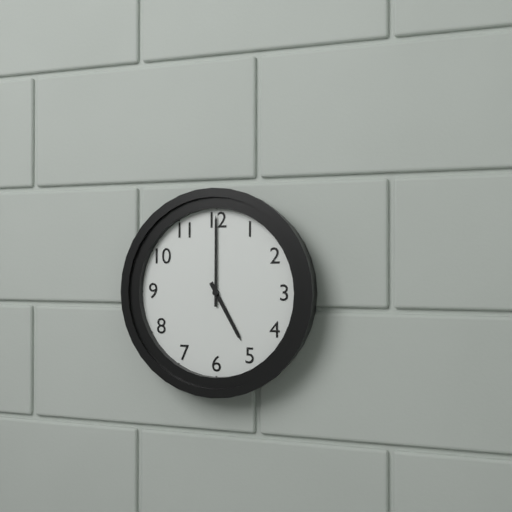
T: 5:00
